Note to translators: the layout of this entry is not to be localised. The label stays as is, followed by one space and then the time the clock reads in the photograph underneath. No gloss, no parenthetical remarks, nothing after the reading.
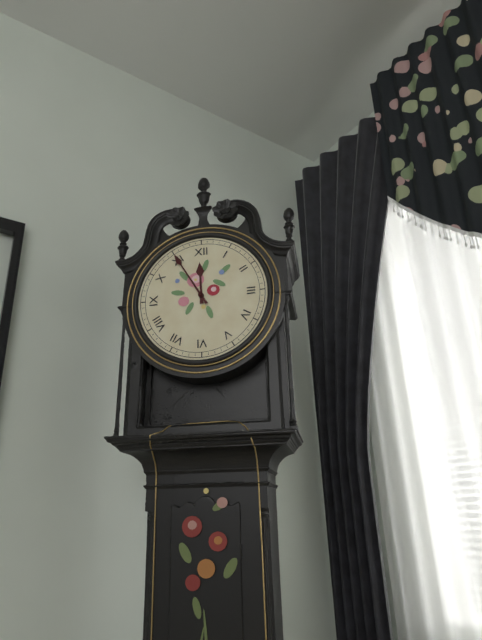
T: 11:55
